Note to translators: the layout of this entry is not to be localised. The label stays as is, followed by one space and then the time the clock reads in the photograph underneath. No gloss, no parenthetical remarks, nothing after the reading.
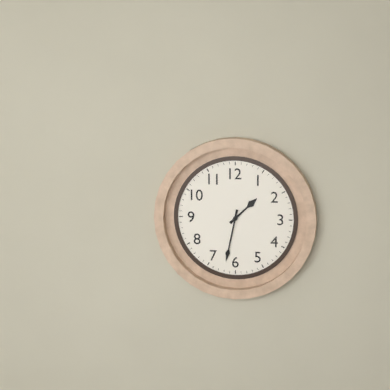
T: 1:32
